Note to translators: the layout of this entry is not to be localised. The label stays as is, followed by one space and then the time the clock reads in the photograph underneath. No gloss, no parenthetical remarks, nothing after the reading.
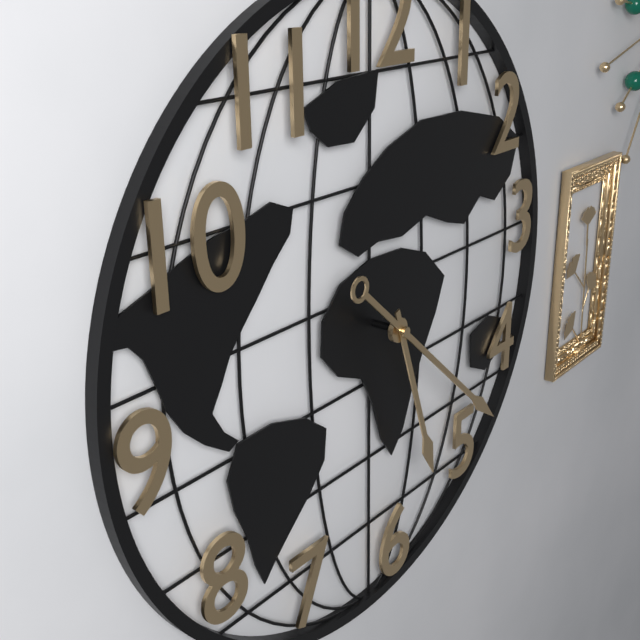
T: 5:22
